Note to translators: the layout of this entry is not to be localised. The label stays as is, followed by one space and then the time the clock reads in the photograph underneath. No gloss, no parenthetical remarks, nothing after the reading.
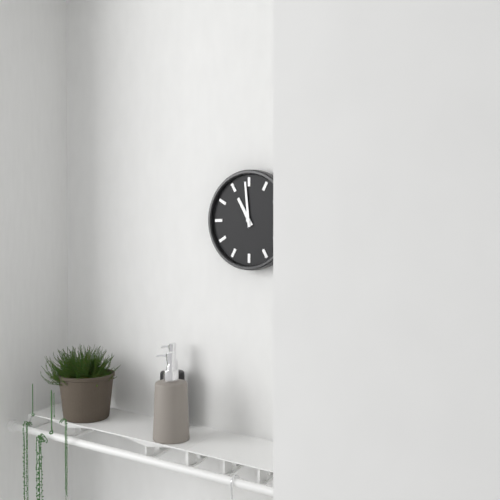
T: 10:59
